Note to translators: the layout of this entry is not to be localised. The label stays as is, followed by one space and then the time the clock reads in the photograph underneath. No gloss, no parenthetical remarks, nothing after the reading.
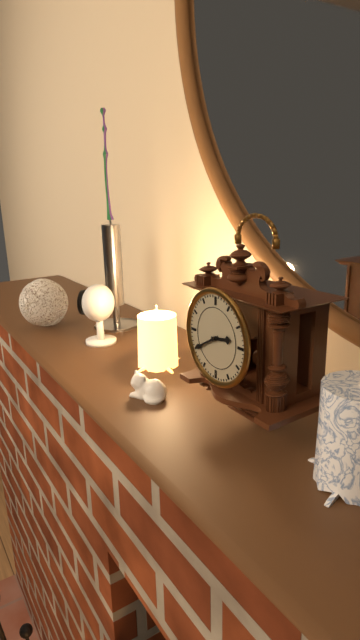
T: 2:40
